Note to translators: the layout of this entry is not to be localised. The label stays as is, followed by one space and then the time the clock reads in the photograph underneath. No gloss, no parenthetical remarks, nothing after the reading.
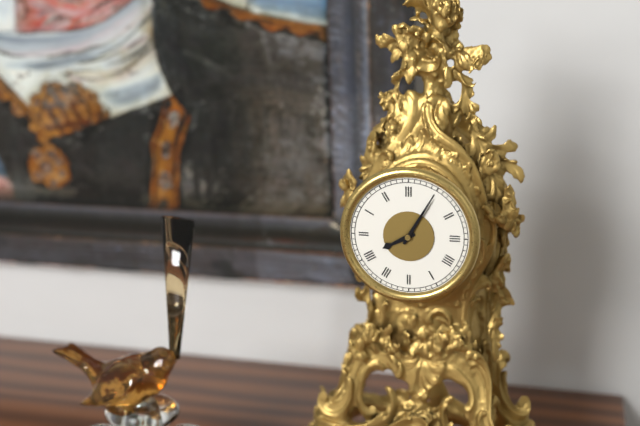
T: 8:05
